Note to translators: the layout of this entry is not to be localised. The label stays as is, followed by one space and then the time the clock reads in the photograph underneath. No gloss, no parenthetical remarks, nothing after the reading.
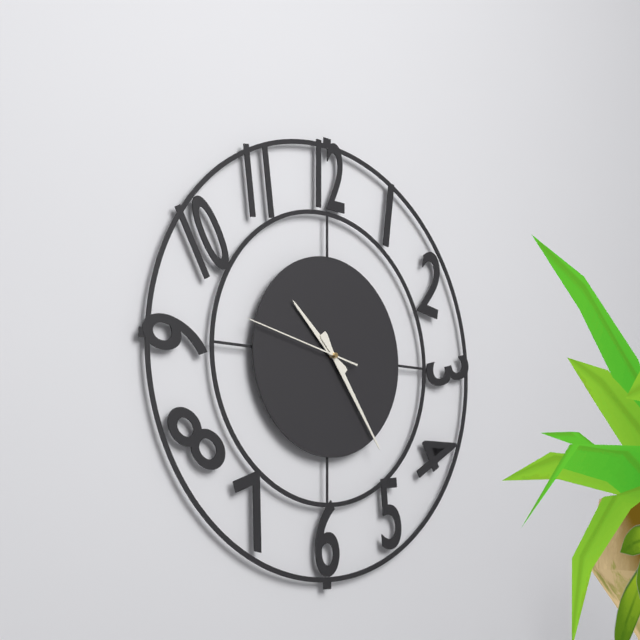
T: 10:24:47
